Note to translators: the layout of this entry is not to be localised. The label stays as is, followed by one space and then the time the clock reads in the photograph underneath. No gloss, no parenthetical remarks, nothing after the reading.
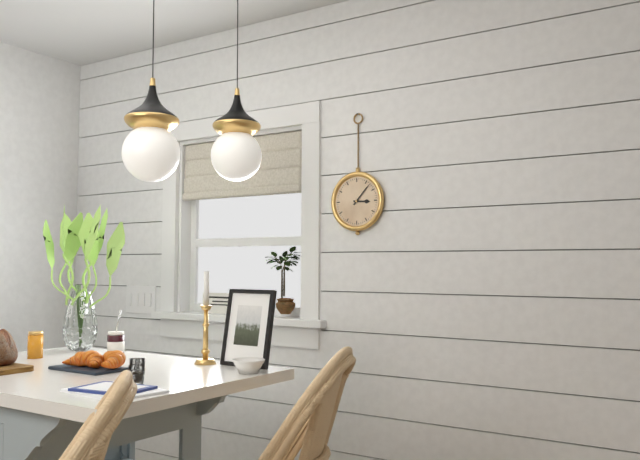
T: 3:07
